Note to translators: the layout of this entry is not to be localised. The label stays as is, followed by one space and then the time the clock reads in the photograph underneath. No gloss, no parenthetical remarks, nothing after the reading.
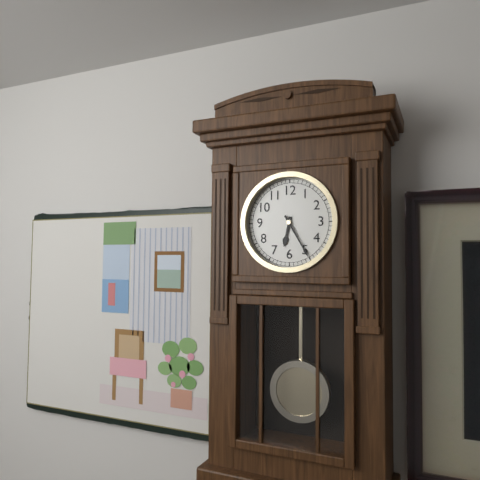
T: 6:25
